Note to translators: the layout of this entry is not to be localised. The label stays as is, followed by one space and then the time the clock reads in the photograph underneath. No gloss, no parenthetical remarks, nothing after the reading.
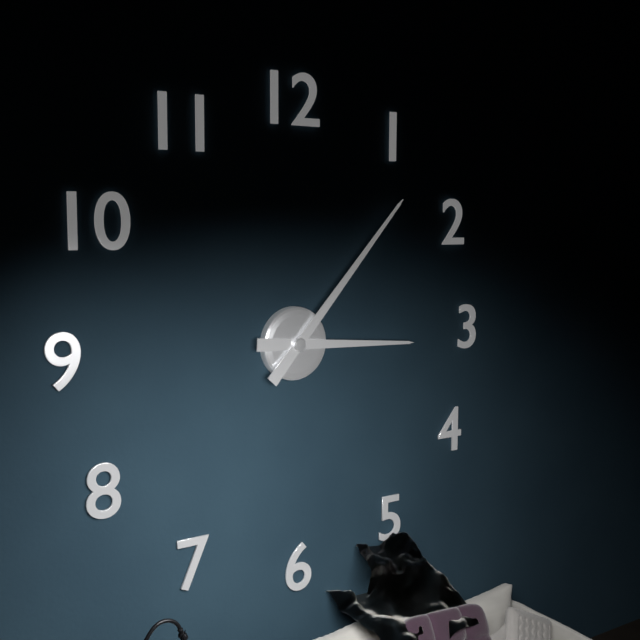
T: 3:07
